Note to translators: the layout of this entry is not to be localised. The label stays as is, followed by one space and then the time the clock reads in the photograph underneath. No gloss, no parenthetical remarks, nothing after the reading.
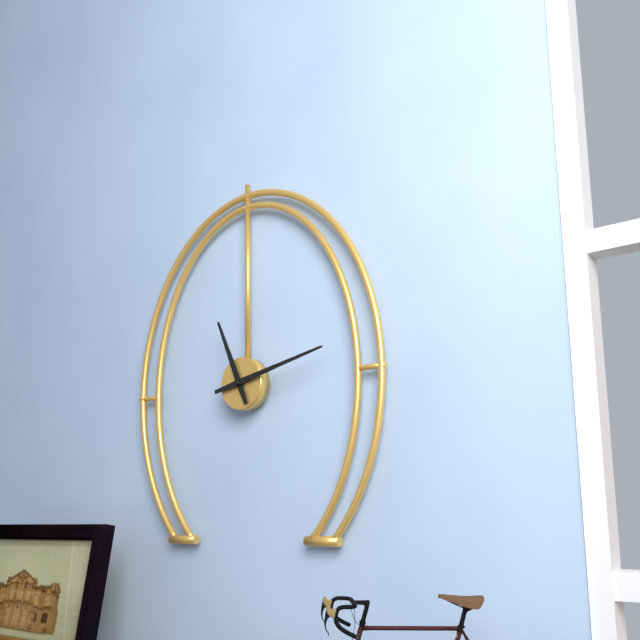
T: 11:13
